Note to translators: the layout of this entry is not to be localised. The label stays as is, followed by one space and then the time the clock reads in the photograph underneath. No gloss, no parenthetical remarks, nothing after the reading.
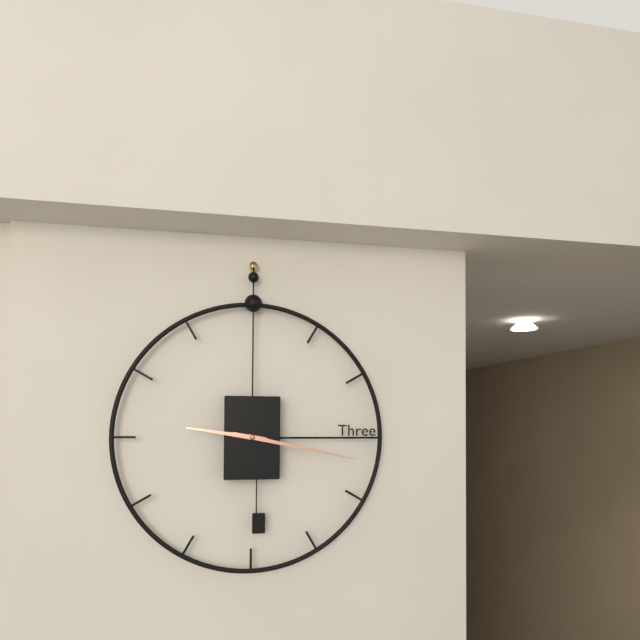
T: 9:17
